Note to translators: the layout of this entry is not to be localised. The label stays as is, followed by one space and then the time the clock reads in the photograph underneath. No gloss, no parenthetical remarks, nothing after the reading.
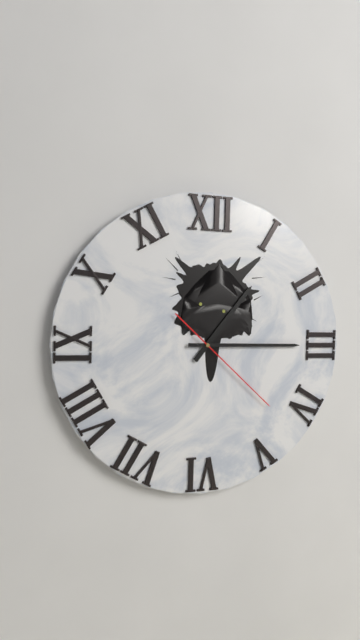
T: 1:15:22
